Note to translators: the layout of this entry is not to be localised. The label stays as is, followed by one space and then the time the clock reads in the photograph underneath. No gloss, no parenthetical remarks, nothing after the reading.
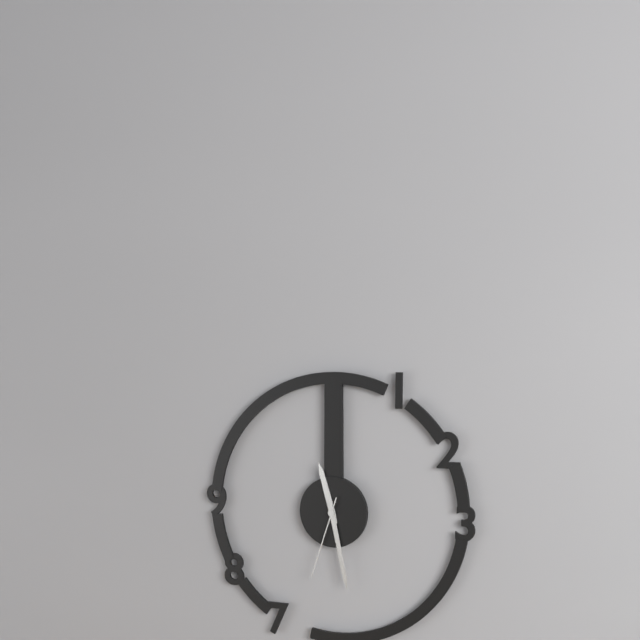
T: 11:28:33
